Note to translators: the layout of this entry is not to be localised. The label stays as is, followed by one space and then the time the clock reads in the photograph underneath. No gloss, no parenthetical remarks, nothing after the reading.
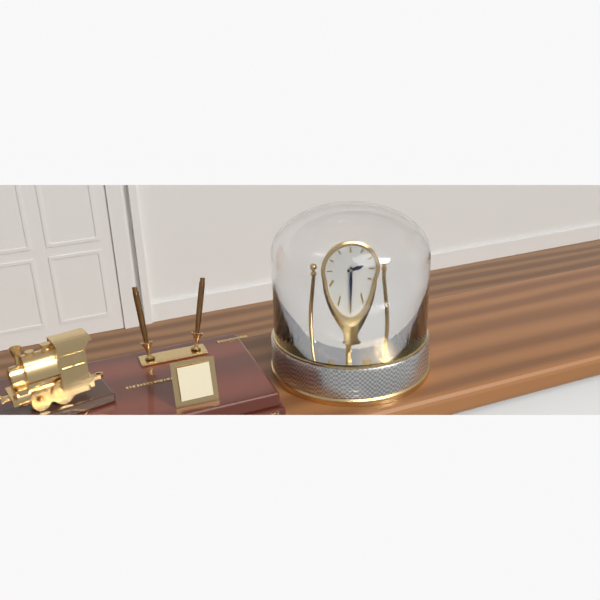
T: 2:30
